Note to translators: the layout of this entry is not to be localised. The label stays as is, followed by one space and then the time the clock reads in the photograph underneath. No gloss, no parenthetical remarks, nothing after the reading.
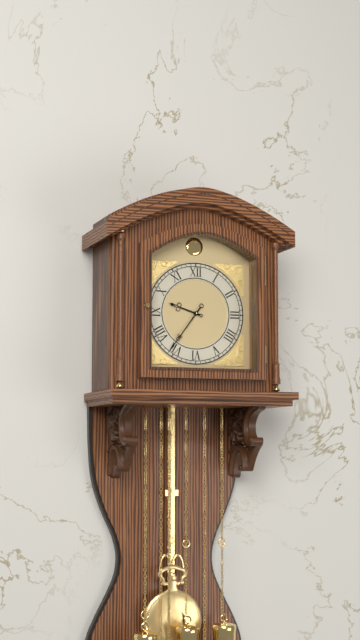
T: 9:36
